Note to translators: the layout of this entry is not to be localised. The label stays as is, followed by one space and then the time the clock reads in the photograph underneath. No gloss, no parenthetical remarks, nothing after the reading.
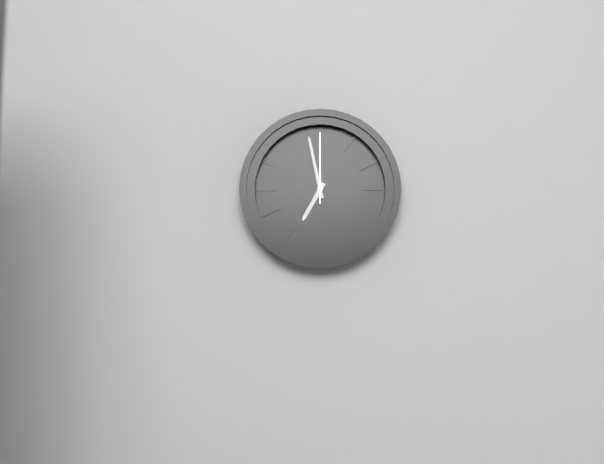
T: 6:58:00
